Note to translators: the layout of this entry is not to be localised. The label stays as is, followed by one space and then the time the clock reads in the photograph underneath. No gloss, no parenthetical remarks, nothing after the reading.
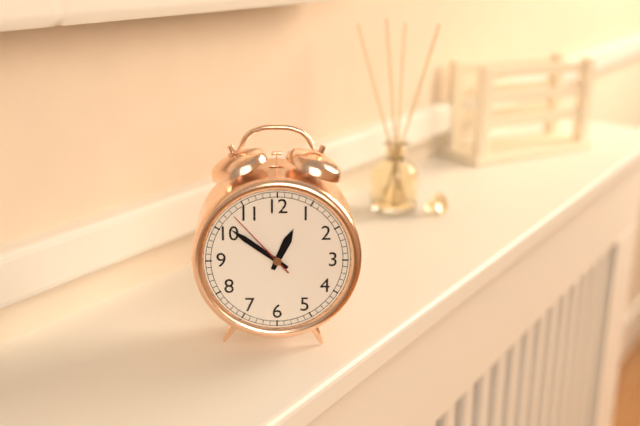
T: 12:51:53
